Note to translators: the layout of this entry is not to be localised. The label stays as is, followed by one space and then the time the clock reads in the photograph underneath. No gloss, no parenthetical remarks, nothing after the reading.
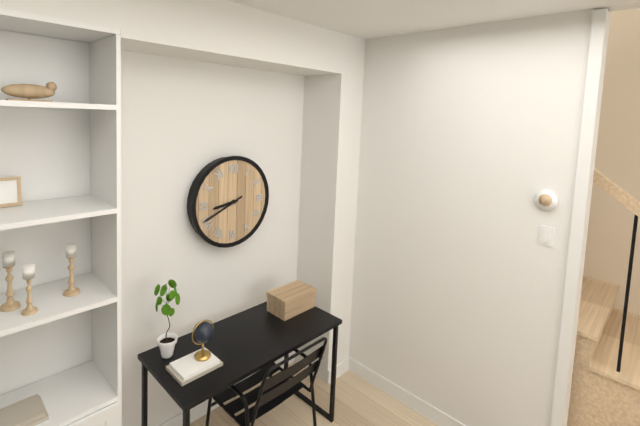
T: 8:41
